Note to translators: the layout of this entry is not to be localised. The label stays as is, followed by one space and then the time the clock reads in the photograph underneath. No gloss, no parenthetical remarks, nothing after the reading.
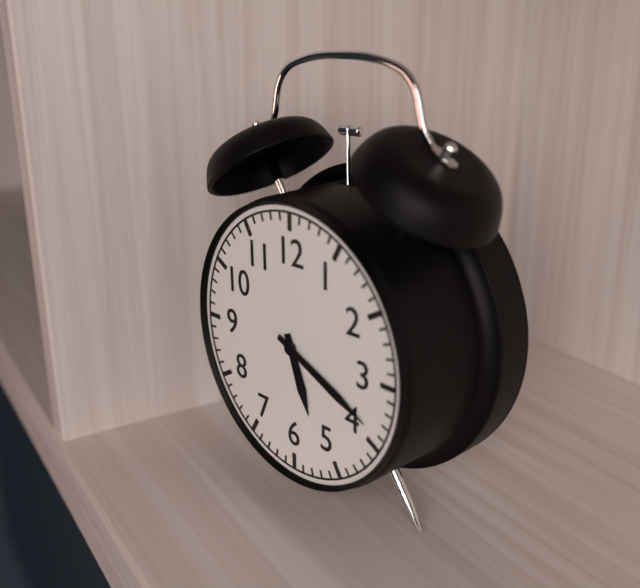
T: 5:19
